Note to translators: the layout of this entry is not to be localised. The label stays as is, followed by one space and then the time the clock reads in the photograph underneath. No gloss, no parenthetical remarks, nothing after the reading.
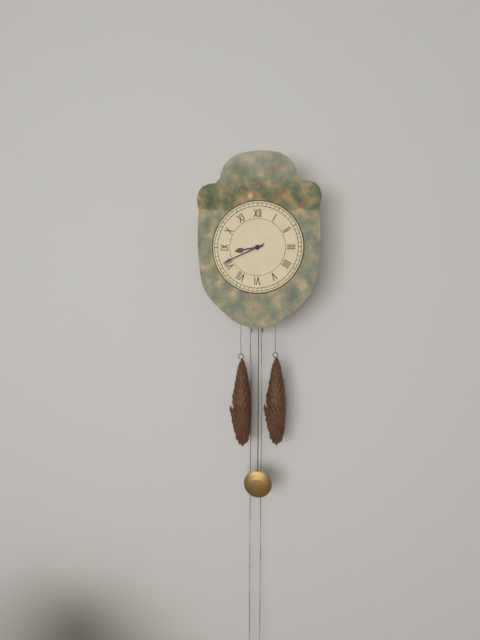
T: 8:41
